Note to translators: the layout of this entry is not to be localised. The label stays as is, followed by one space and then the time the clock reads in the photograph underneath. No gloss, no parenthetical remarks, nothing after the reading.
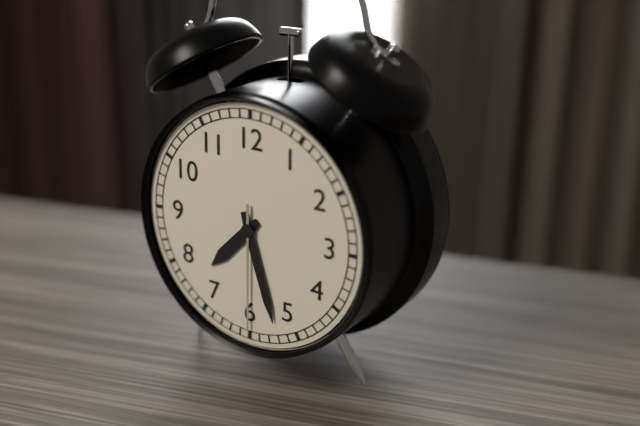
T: 7:27:30
